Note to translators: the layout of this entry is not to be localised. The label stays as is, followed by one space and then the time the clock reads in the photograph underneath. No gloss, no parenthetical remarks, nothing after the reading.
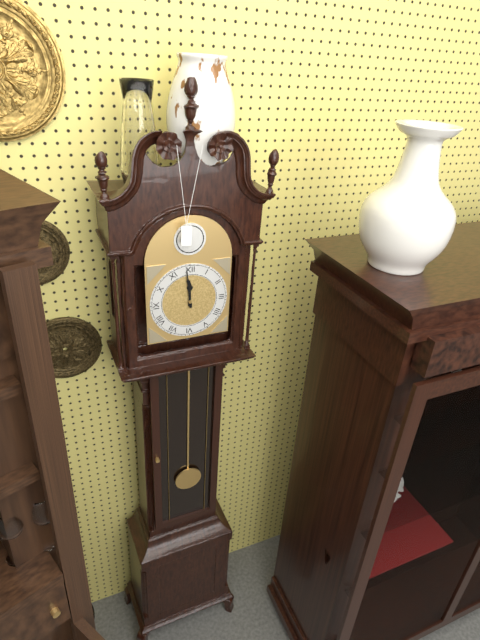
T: 11:59
